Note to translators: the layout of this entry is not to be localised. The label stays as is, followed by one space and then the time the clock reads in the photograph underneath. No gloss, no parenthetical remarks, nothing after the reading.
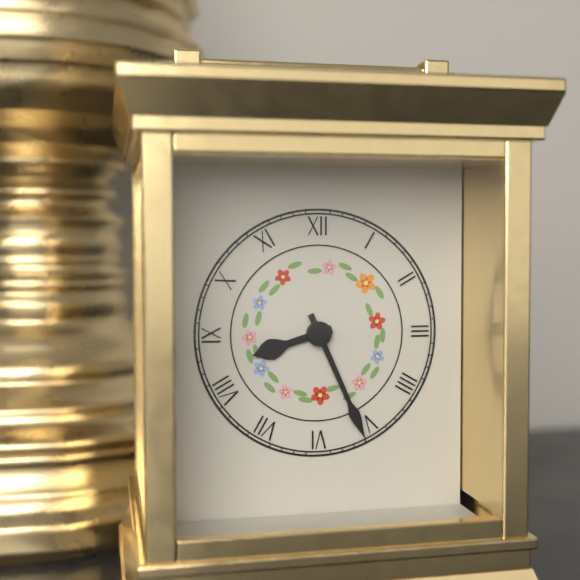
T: 8:26
